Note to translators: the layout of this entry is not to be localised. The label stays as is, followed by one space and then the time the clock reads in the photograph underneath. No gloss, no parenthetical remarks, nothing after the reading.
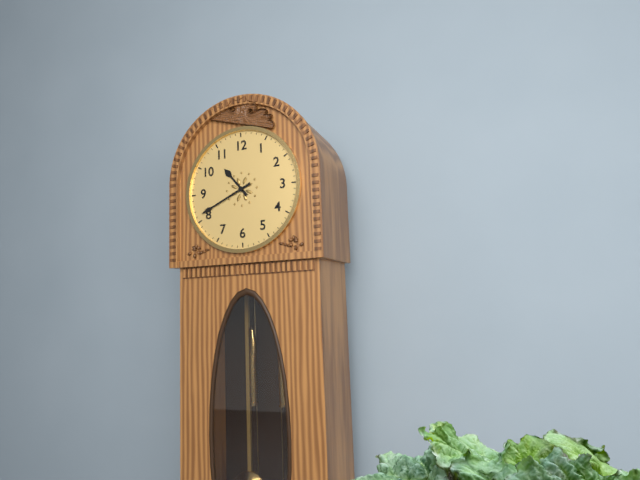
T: 10:41
